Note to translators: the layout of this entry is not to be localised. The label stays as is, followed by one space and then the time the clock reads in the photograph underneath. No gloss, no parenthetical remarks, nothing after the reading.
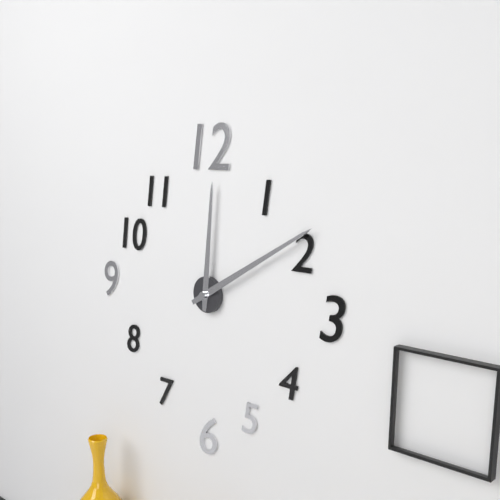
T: 12:10
